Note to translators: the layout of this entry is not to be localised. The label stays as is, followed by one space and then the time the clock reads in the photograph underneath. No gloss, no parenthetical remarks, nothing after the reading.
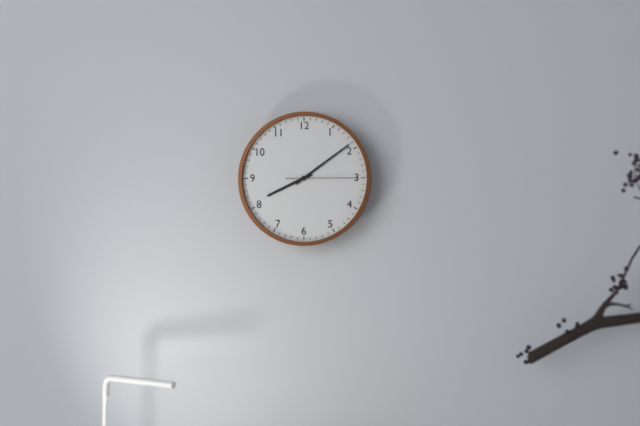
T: 8:09:15
